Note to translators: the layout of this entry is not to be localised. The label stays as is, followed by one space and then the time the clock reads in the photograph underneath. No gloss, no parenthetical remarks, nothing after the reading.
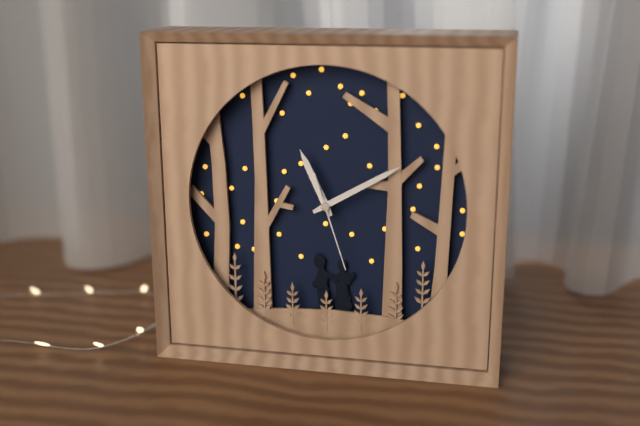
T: 11:10:27
